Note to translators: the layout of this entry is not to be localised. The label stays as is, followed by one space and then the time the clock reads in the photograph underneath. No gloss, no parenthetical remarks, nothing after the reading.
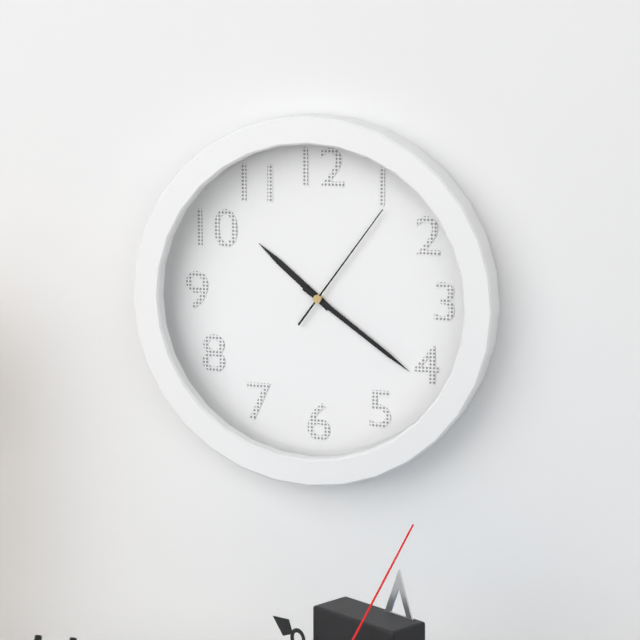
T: 10:21:06
